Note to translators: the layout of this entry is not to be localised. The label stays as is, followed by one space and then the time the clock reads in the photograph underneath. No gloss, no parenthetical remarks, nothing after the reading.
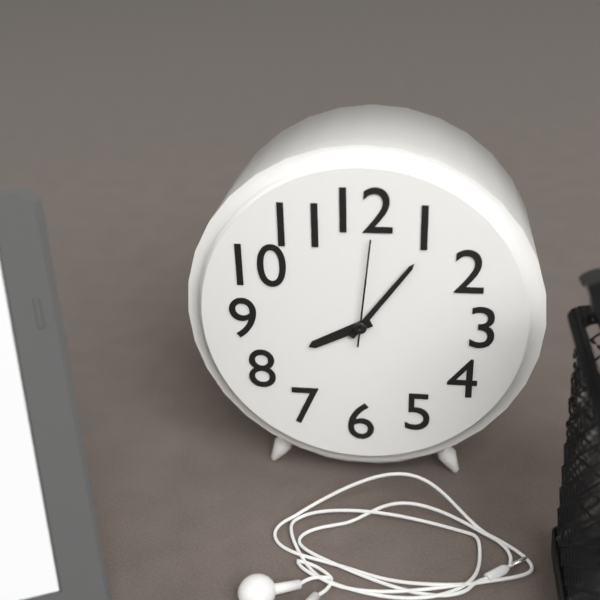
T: 8:06:01
